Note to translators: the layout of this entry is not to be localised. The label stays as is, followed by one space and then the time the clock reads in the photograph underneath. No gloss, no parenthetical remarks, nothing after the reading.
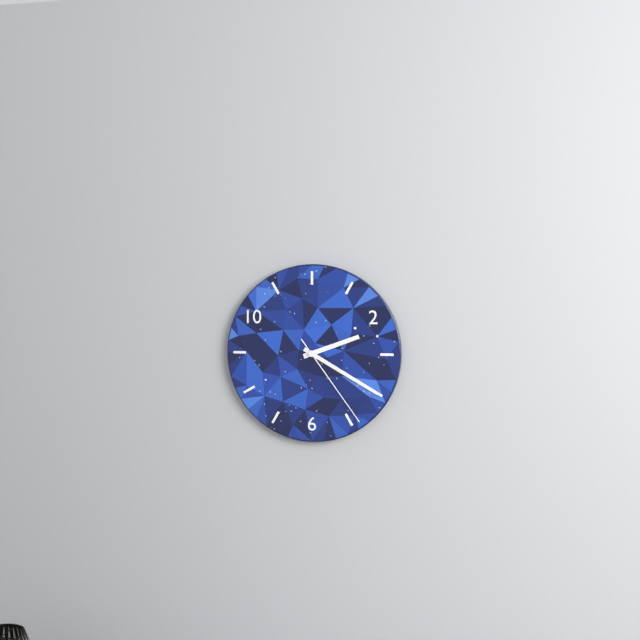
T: 2:20:24
